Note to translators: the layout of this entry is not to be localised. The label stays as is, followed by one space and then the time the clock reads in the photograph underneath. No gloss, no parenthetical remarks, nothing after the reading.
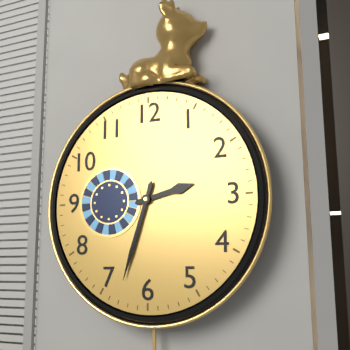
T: 2:33
